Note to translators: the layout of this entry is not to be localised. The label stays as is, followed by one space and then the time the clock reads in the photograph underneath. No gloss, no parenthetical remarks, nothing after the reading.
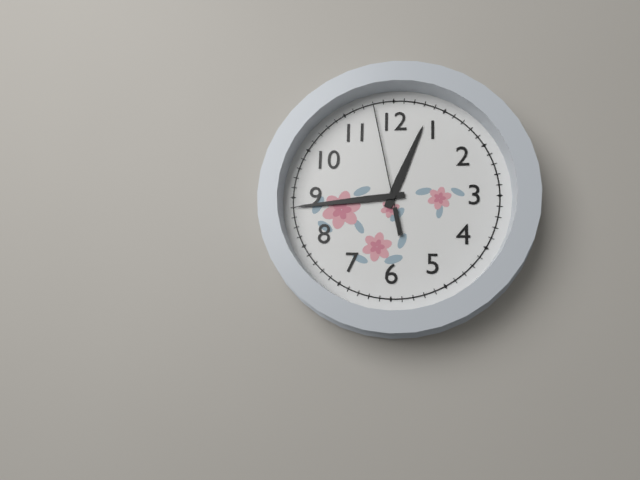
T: 12:44:58
